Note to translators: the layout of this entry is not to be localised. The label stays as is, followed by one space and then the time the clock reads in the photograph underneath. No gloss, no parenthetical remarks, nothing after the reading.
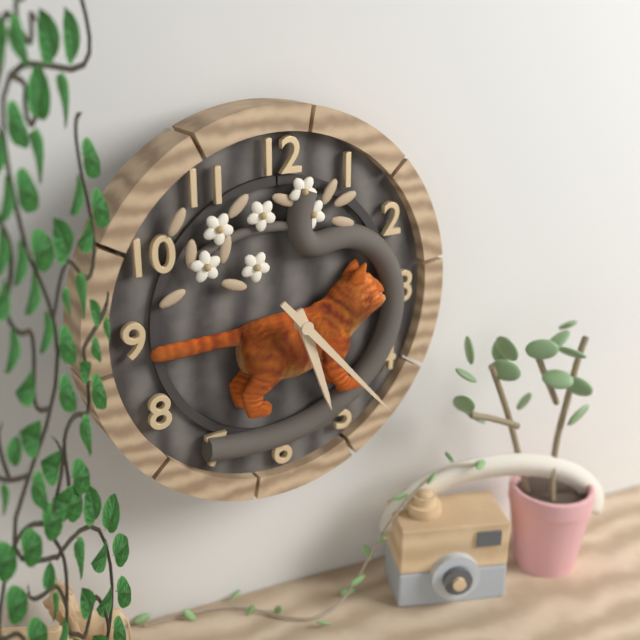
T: 5:23
